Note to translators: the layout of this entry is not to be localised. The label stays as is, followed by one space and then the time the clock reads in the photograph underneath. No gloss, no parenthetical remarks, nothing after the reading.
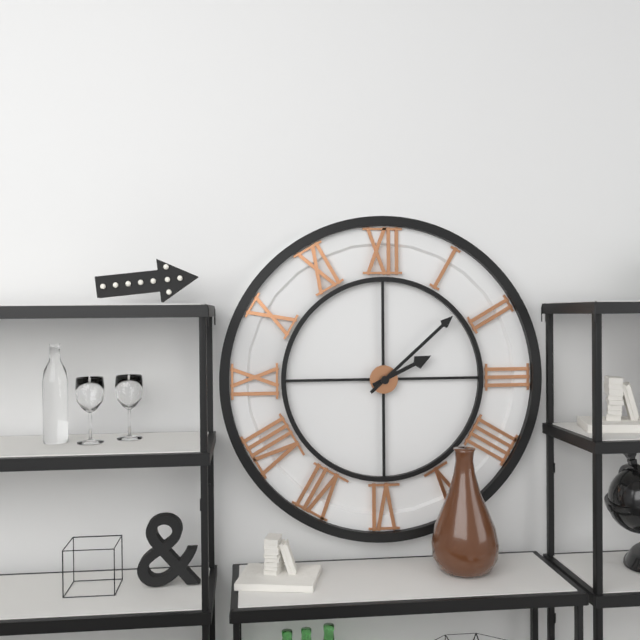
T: 2:08
